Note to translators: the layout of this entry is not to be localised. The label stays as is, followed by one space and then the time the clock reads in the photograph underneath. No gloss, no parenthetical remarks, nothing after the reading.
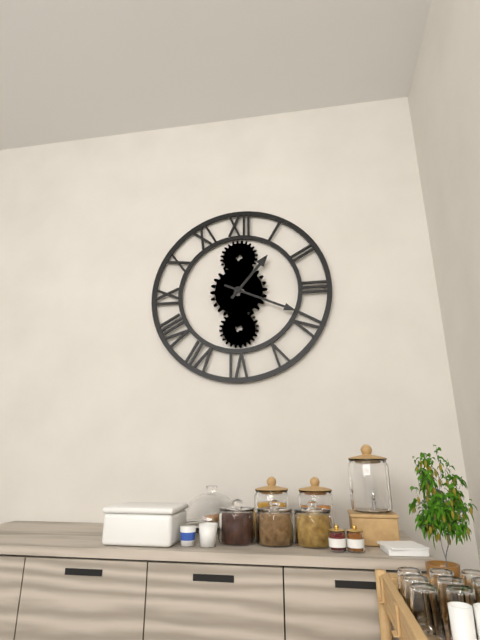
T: 1:19
